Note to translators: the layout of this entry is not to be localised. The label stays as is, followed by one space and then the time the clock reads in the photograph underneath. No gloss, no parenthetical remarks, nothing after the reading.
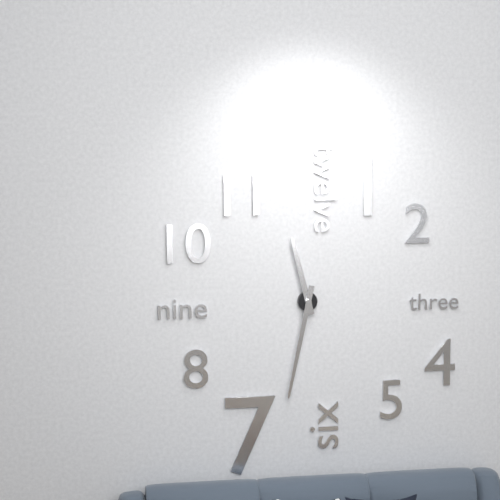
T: 11:32
